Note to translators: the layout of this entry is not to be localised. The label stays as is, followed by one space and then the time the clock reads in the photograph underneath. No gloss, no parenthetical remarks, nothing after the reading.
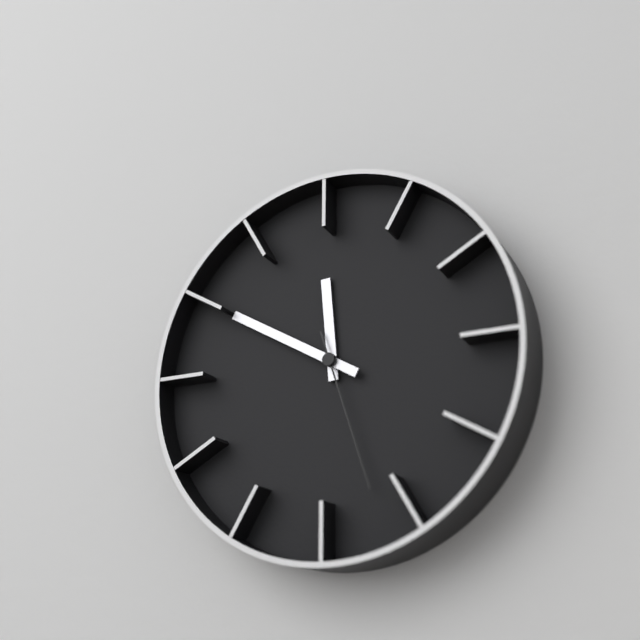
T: 11:50:27
